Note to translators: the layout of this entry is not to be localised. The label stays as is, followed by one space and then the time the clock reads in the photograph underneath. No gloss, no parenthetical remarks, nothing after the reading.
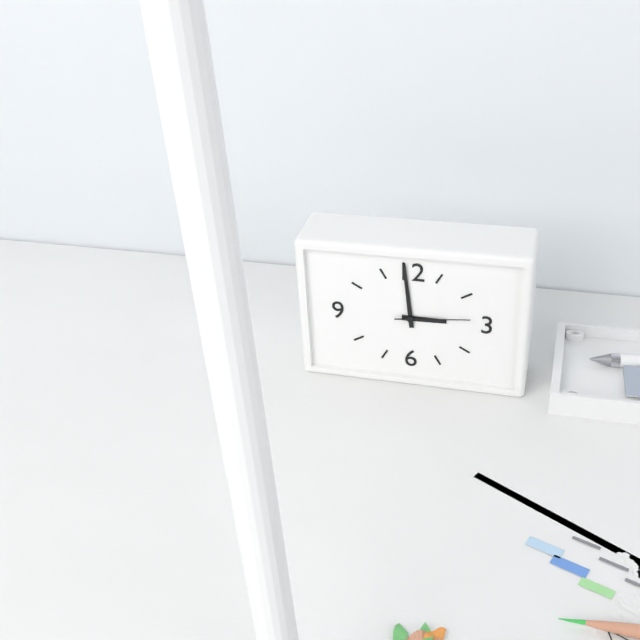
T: 2:59:14
